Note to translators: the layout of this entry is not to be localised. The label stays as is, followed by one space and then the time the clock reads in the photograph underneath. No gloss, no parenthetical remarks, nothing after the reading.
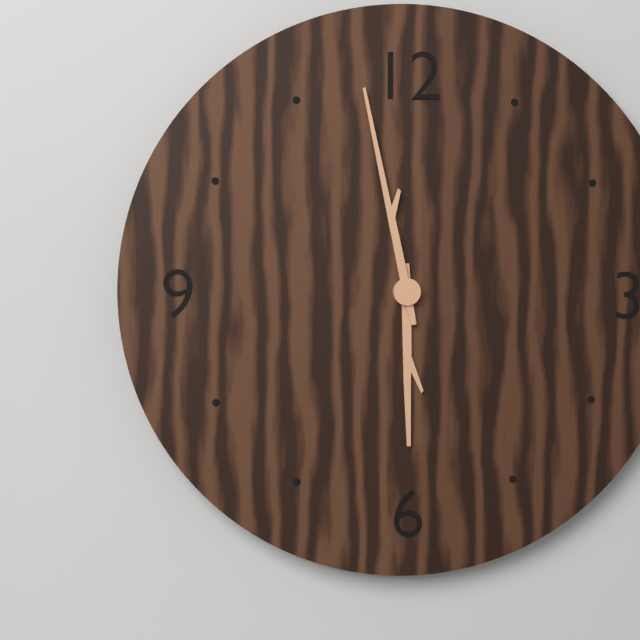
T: 5:58
